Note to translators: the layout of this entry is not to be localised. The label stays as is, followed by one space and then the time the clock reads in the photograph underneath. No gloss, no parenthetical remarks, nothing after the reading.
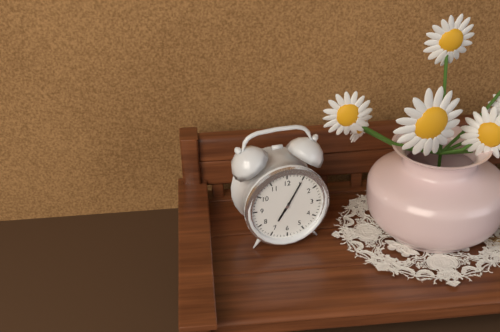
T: 7:05
